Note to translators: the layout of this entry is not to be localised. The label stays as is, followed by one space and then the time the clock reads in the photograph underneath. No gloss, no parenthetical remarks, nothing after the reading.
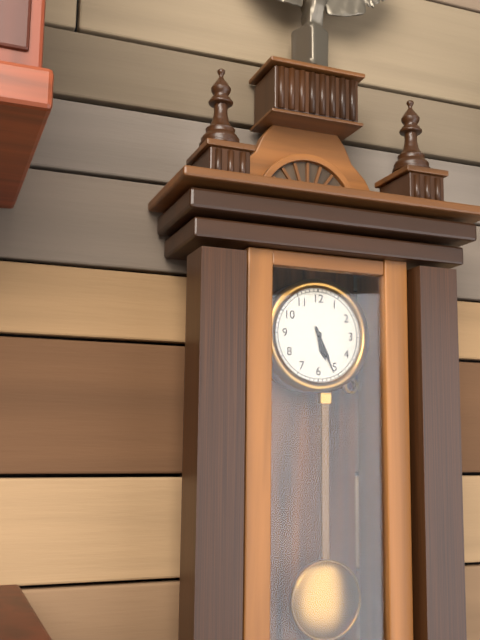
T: 5:26
